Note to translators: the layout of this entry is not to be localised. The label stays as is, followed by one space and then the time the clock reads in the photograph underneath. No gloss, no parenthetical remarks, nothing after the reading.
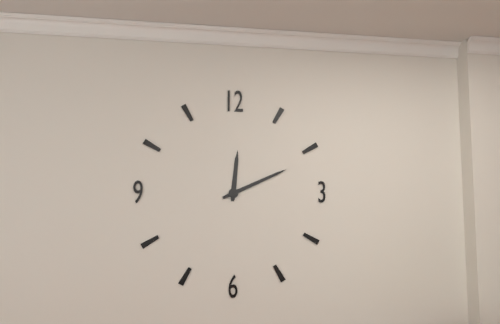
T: 12:11
